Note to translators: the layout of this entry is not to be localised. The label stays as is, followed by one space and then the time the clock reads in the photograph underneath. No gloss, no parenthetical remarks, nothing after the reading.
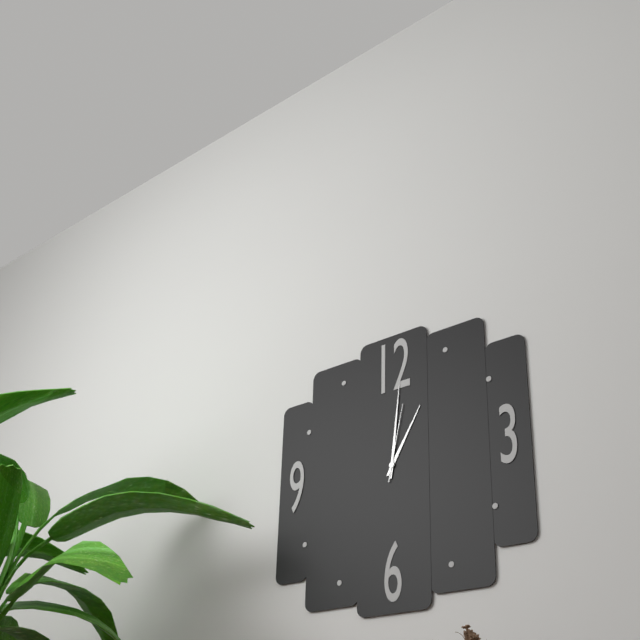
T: 1:01:02
